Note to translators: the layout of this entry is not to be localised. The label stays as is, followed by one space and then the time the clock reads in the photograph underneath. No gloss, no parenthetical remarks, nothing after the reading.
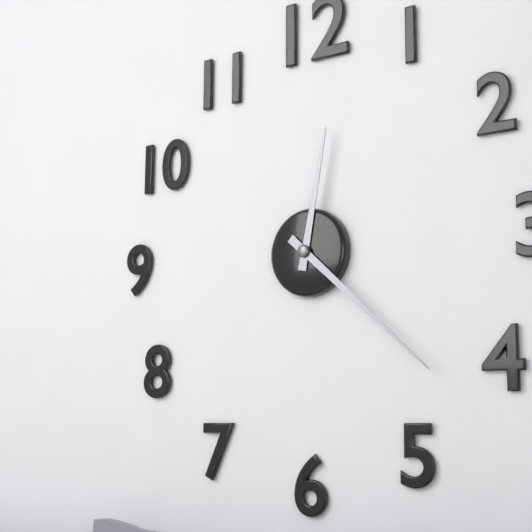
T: 12:22
